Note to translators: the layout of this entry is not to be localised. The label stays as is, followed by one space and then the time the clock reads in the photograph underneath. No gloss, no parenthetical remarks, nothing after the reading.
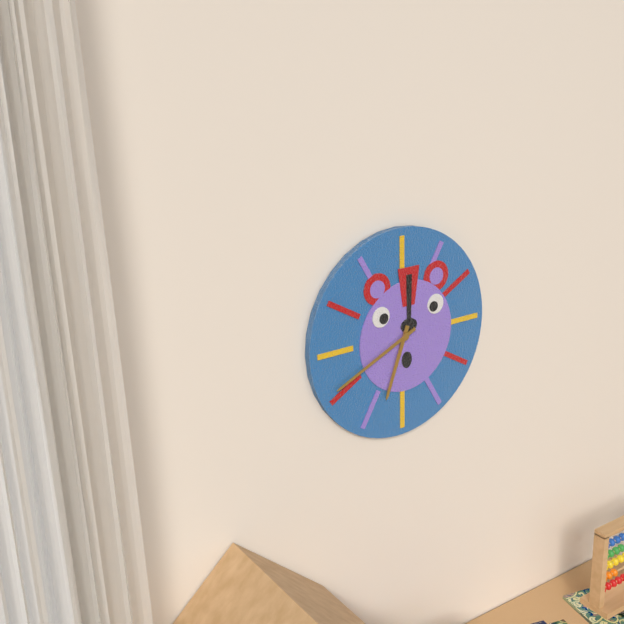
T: 6:41
